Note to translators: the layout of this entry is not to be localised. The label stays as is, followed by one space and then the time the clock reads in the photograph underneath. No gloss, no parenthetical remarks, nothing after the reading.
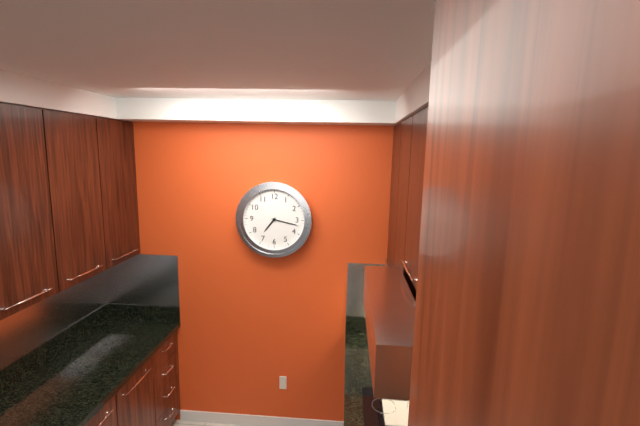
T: 7:17
